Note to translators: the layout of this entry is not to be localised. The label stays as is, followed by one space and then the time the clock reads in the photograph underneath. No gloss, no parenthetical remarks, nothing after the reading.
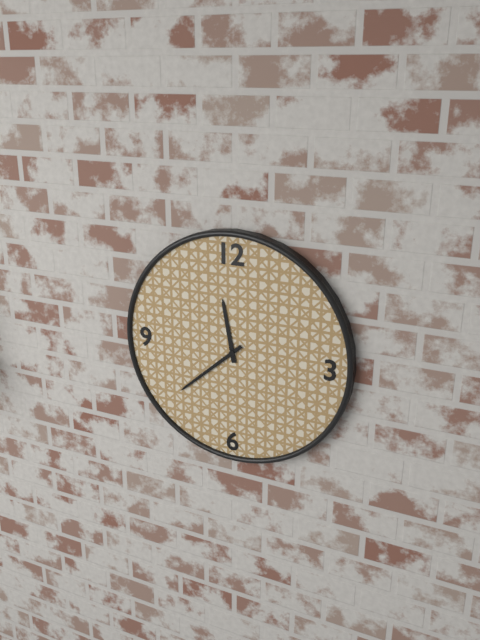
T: 11:38
